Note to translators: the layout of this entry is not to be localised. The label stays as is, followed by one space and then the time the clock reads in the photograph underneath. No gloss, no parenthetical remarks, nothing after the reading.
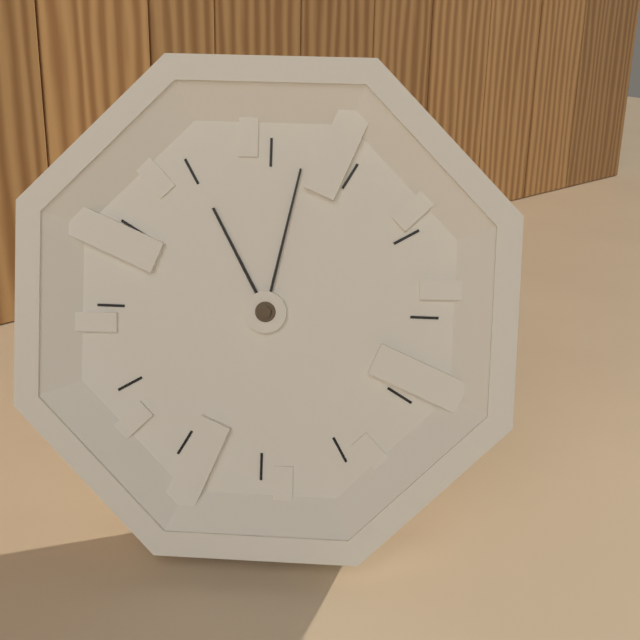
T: 11:02
